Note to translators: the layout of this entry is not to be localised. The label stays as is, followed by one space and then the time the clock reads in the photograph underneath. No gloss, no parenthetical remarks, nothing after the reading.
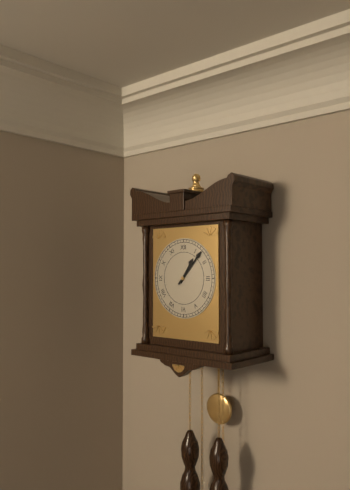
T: 1:07
